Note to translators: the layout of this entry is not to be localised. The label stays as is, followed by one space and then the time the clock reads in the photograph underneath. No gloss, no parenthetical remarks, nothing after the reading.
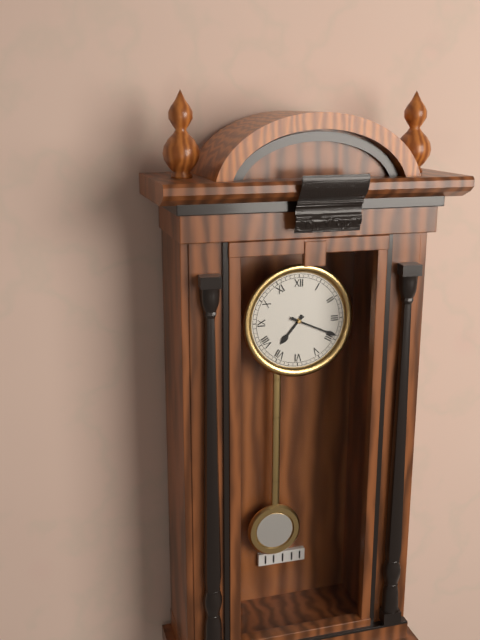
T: 7:19
